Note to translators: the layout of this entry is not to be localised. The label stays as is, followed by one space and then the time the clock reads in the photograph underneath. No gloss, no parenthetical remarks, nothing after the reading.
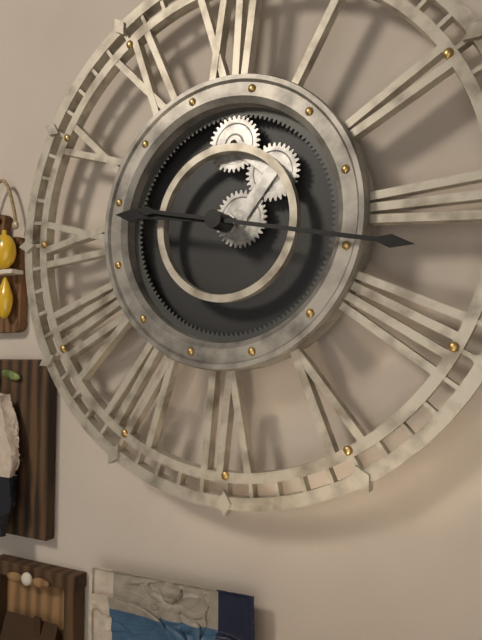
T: 9:17
